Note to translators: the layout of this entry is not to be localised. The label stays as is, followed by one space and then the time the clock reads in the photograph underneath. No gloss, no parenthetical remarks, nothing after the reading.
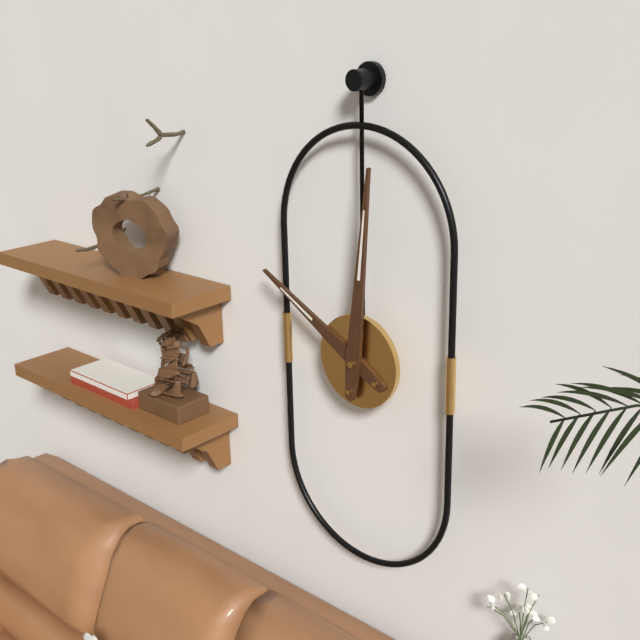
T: 10:01
